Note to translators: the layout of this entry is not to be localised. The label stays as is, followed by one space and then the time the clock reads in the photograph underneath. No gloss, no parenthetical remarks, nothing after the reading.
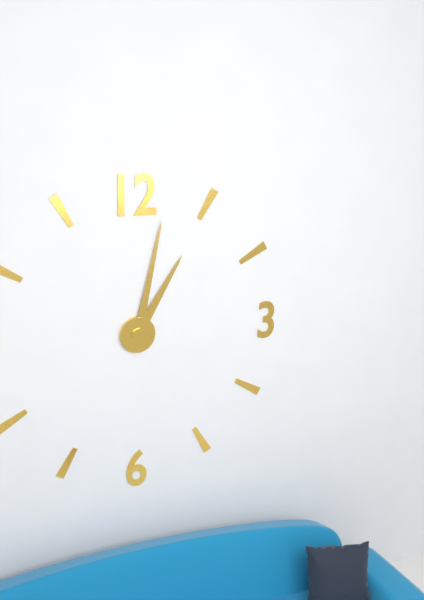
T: 1:02
